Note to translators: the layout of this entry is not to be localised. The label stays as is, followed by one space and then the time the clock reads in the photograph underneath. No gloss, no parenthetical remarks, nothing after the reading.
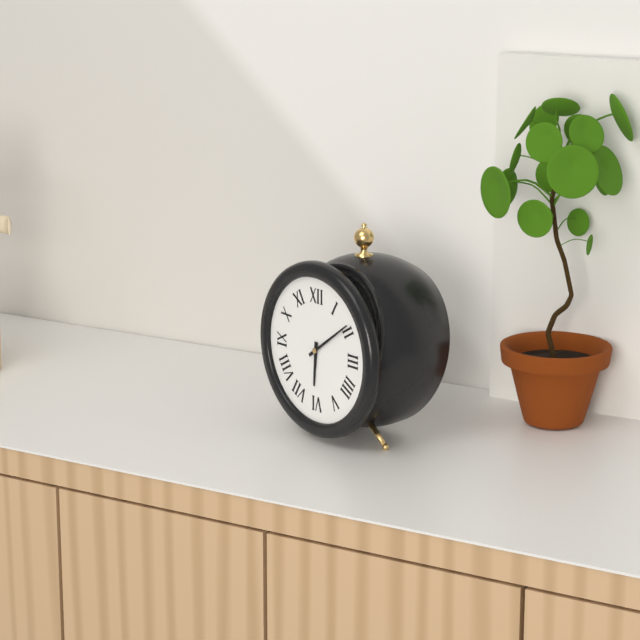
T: 6:09
